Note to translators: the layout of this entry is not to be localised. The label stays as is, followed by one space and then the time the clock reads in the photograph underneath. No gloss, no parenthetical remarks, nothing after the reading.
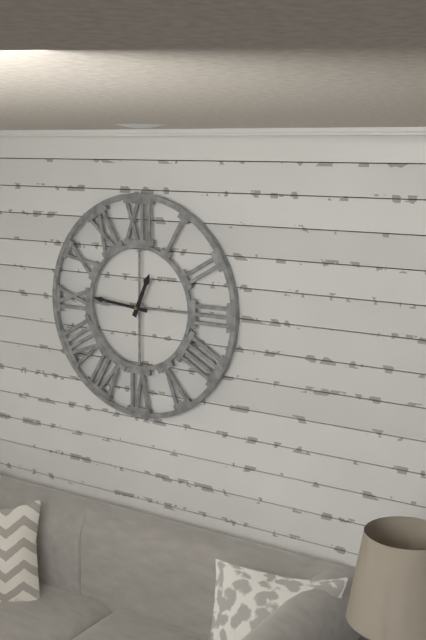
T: 12:46
